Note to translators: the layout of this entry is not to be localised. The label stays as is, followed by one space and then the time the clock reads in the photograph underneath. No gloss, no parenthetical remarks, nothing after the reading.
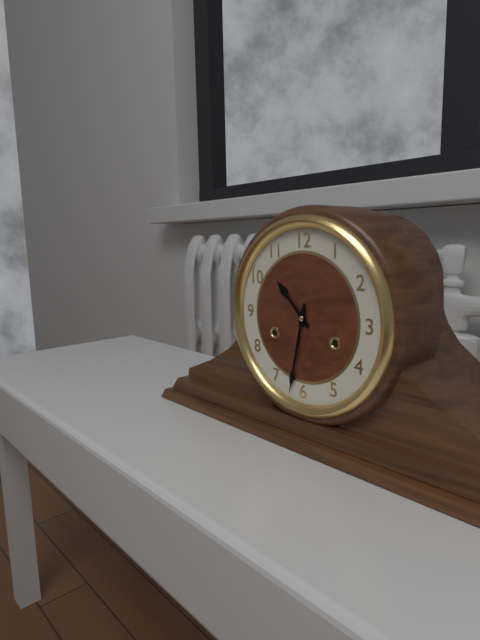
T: 10:32
